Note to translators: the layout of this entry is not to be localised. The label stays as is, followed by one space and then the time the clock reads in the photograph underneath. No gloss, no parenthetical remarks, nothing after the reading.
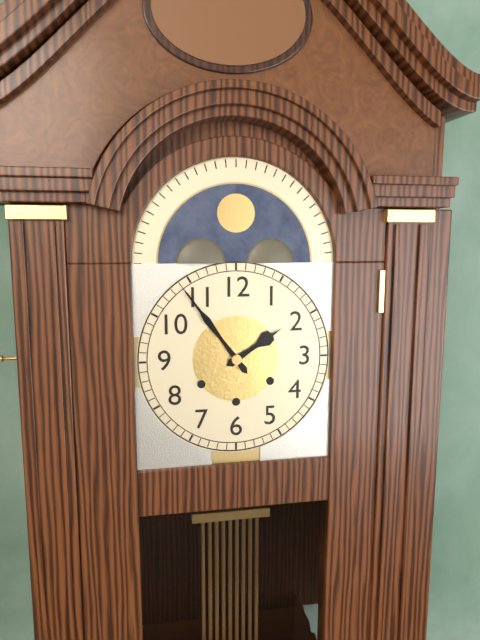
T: 1:54
